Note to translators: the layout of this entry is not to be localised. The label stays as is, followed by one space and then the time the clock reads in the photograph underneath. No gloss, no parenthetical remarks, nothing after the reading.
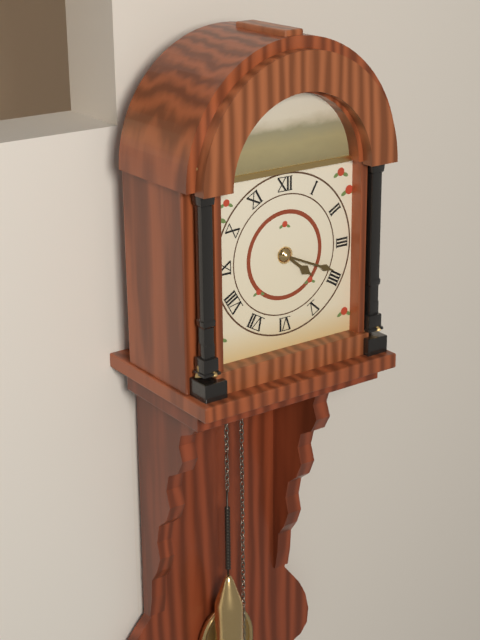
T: 4:19
